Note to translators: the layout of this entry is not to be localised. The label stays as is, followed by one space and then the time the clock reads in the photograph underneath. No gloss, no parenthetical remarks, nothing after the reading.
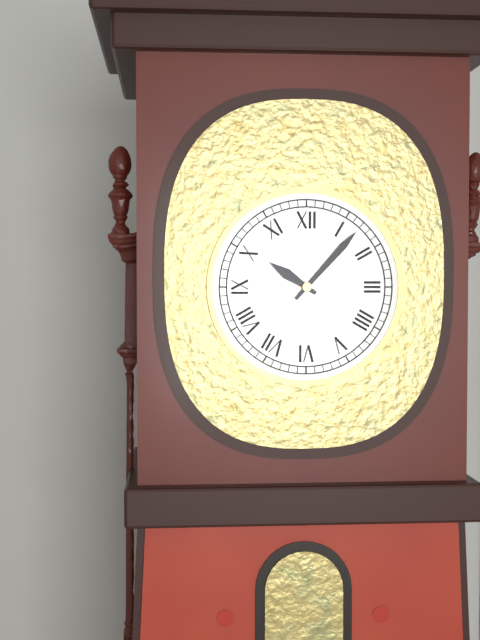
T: 10:07
